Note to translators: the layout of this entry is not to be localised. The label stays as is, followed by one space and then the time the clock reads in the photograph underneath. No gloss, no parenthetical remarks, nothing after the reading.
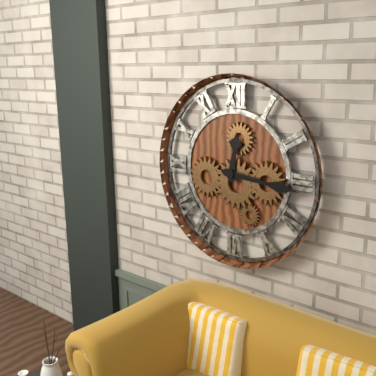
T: 12:16
